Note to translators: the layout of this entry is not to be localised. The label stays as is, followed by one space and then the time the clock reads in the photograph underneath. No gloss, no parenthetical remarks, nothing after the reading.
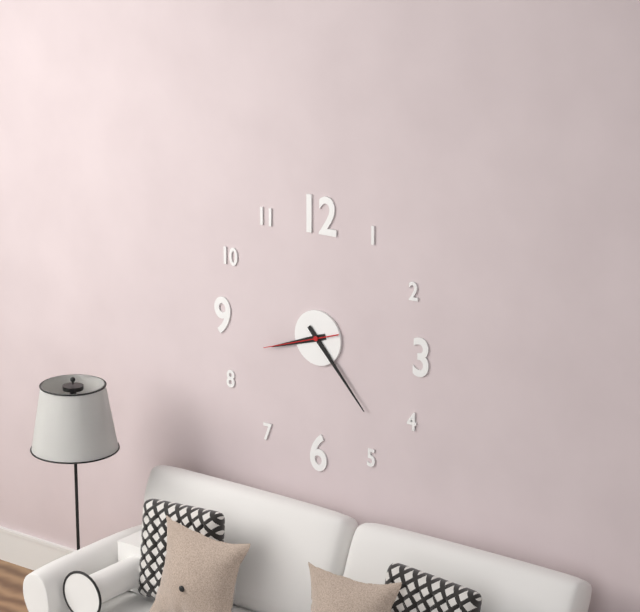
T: 8:23:42
